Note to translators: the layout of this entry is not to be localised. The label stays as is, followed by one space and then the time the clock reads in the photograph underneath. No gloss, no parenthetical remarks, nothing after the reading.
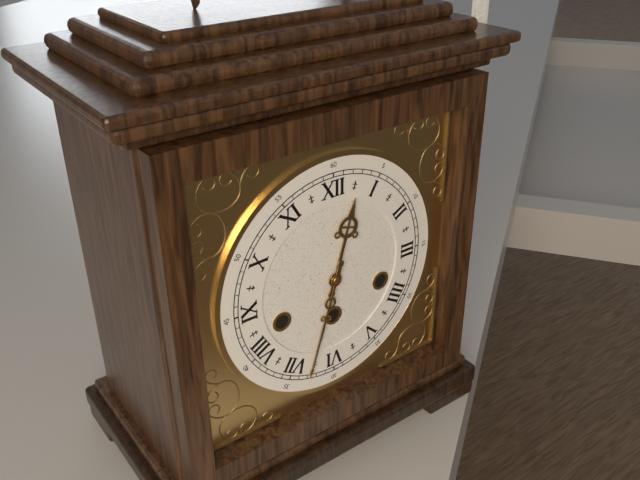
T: 12:33
